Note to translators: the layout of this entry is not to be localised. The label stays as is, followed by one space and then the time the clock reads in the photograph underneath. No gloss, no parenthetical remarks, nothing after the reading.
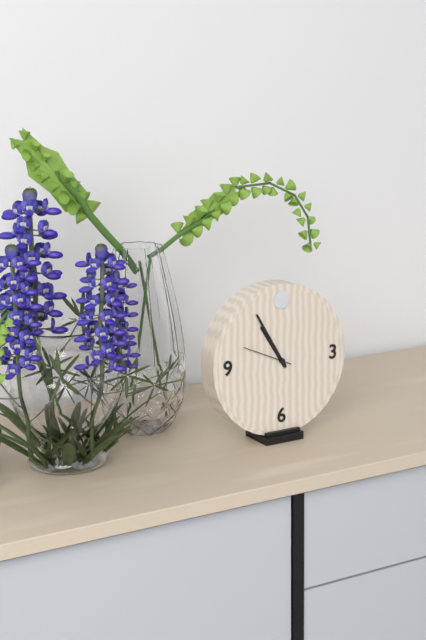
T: 10:55:49
